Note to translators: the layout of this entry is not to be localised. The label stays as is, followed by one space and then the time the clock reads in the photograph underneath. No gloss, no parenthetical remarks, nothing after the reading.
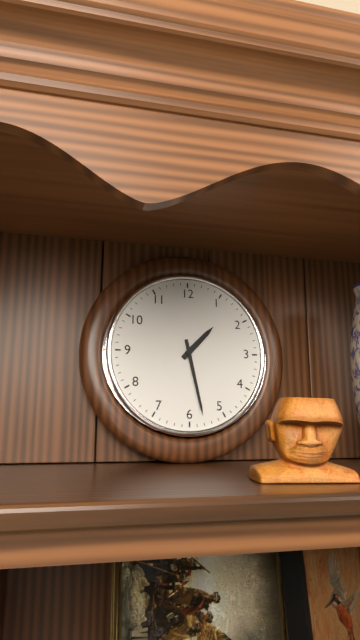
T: 1:28
